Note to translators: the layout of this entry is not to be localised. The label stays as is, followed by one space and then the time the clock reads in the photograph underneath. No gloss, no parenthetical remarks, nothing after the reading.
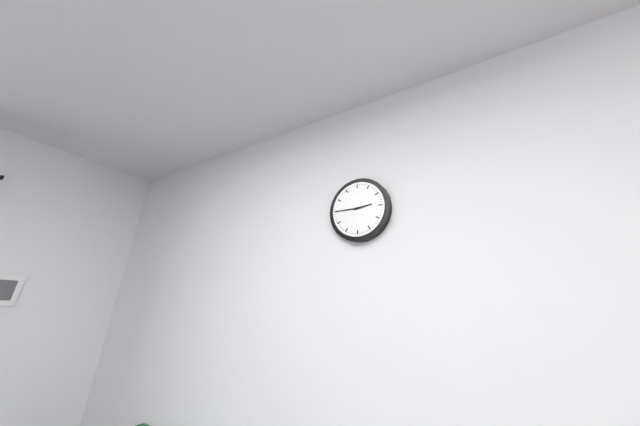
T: 2:45
